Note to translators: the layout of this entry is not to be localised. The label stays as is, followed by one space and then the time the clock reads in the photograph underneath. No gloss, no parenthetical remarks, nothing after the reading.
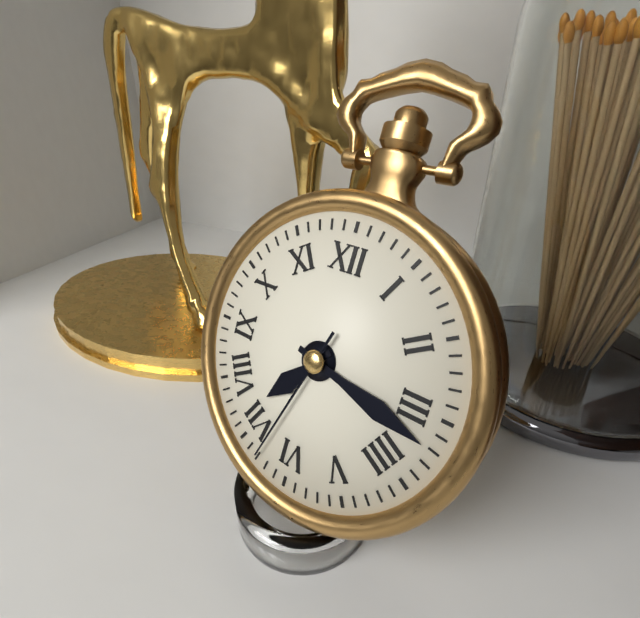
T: 7:17:33
